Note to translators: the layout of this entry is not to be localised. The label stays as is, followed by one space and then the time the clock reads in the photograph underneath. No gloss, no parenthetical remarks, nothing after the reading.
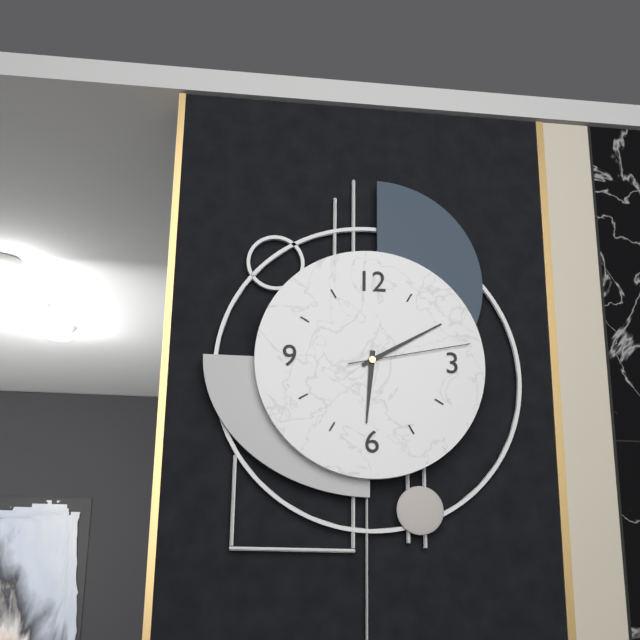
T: 6:10:13
